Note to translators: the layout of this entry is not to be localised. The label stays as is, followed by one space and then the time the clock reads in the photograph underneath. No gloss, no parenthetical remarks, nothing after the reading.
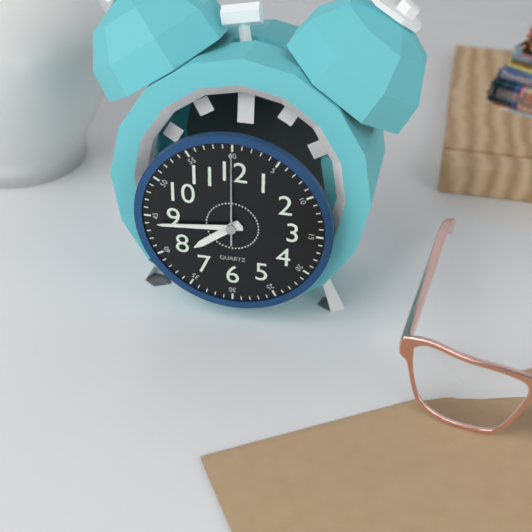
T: 7:44:00
